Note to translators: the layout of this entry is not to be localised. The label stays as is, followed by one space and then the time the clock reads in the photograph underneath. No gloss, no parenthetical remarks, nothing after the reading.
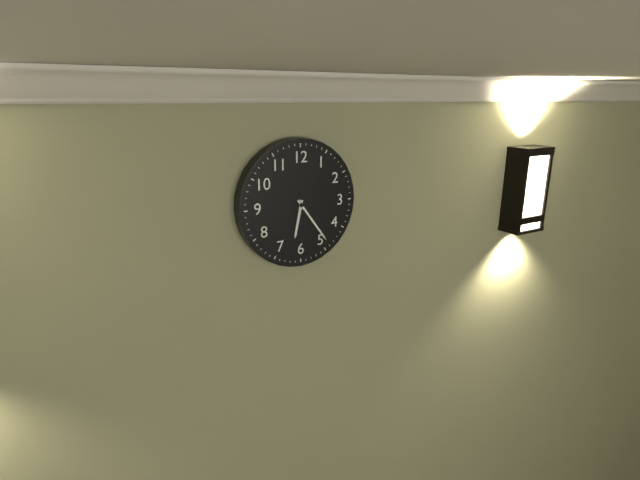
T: 6:24
